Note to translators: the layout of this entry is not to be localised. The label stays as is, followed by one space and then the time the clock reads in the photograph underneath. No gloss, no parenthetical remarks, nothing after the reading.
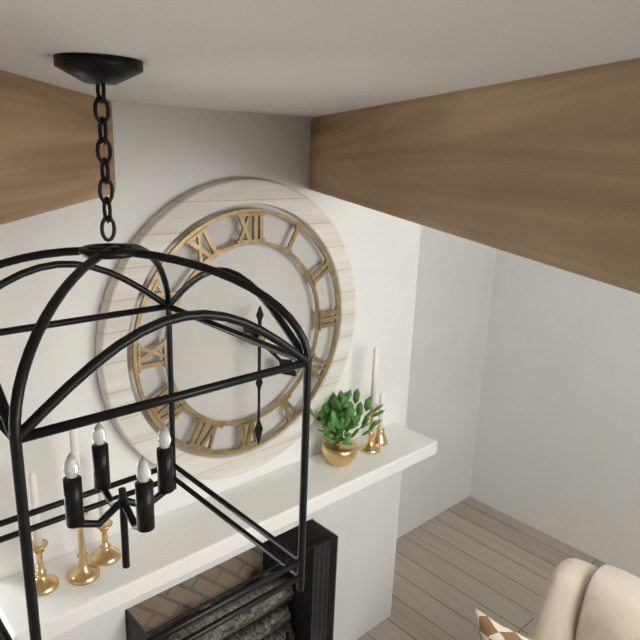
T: 4:30
